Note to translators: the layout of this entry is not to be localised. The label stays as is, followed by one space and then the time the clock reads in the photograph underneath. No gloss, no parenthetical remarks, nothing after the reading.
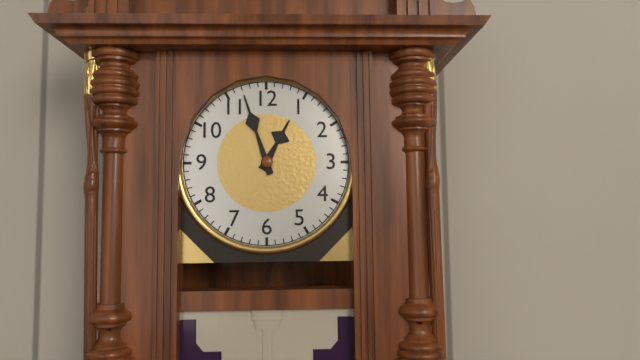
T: 12:57
